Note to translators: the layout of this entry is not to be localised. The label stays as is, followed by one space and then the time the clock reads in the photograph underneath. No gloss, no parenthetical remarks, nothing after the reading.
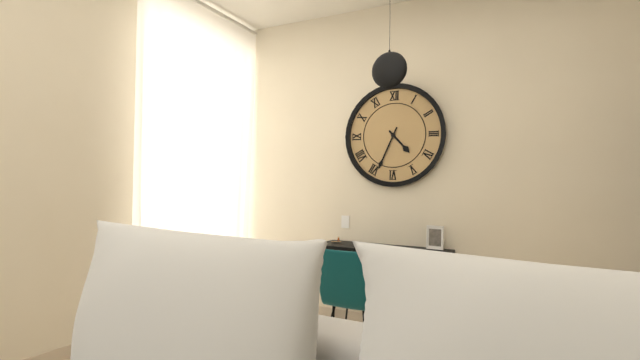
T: 4:34
